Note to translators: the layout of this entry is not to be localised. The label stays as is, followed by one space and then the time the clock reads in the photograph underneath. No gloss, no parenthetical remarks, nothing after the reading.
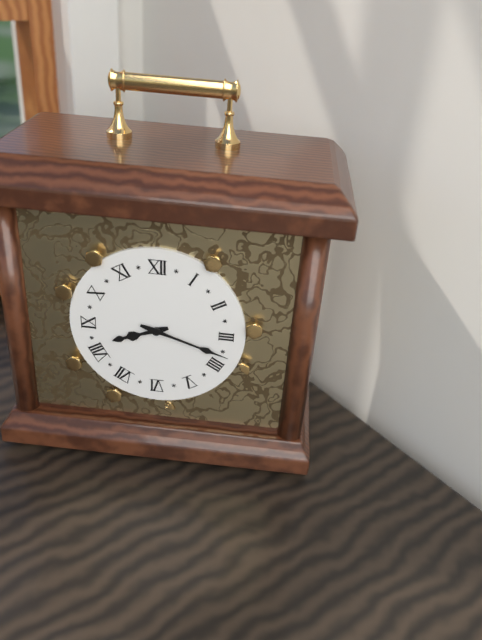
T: 8:18
